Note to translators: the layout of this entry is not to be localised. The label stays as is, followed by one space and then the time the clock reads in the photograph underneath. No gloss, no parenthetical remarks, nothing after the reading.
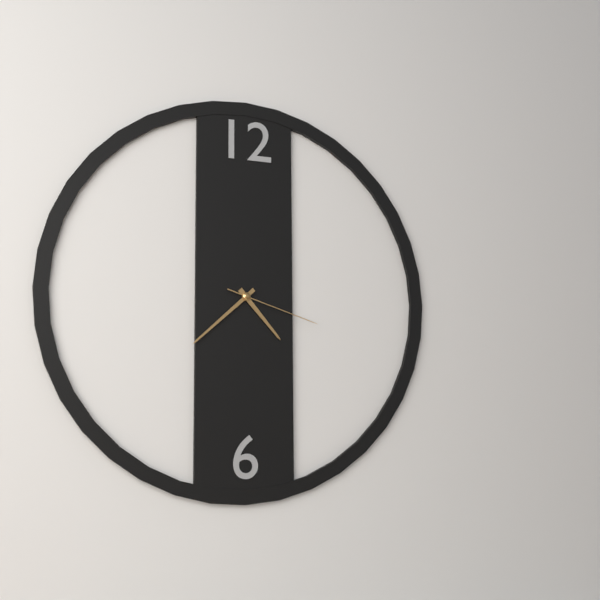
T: 4:38:18
